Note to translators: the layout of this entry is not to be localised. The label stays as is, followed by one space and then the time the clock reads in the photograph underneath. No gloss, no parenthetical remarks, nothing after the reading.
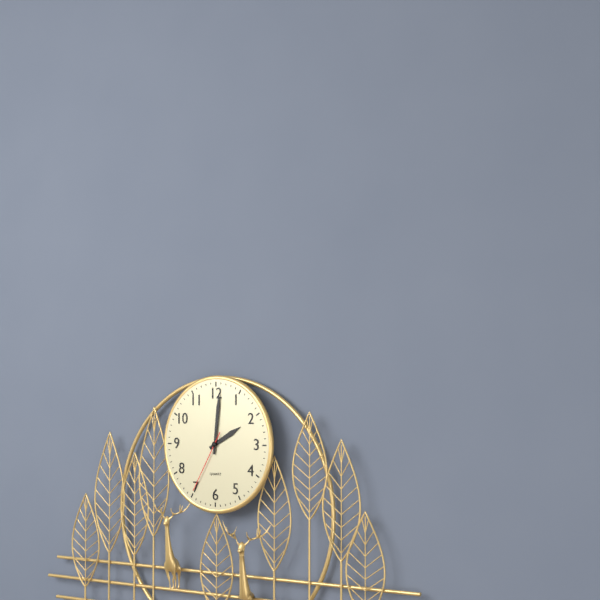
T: 2:01:35
